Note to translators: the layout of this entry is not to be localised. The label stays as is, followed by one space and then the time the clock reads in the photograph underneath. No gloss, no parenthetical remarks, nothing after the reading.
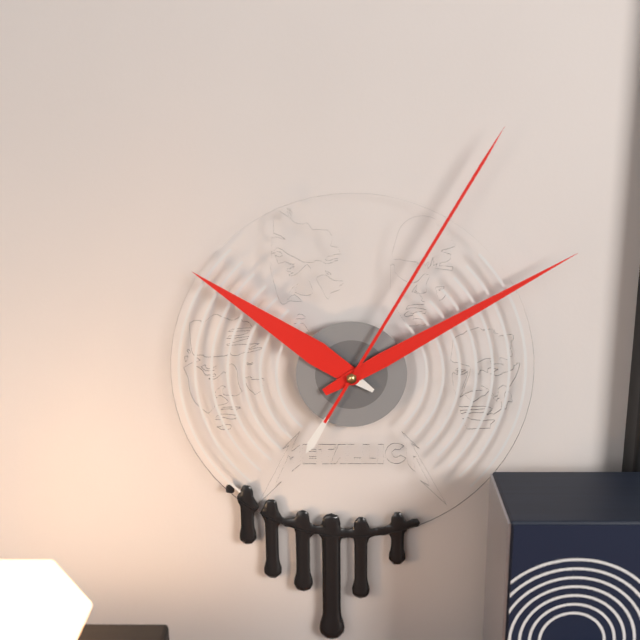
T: 10:10:05
